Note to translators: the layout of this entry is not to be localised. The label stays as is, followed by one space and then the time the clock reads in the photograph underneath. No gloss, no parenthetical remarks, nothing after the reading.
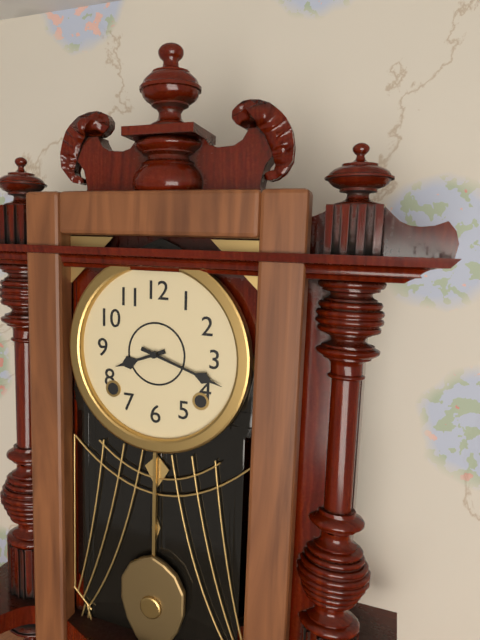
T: 8:18
